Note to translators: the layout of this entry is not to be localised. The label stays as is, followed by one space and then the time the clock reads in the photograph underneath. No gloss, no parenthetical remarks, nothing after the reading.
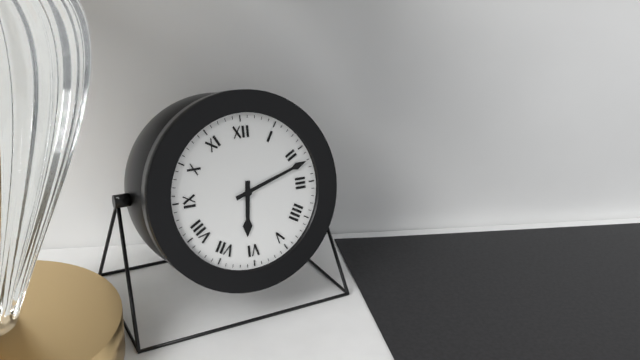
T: 6:12
